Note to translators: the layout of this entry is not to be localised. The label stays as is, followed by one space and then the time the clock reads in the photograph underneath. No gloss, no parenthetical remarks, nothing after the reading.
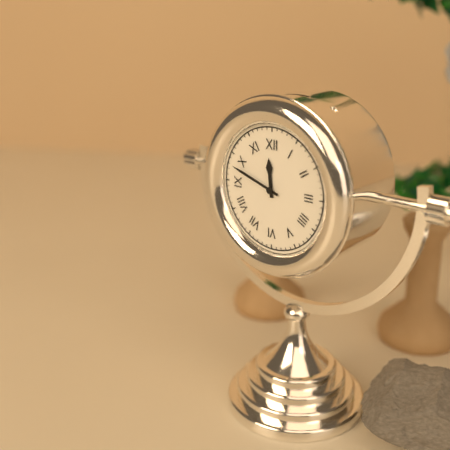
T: 11:48
